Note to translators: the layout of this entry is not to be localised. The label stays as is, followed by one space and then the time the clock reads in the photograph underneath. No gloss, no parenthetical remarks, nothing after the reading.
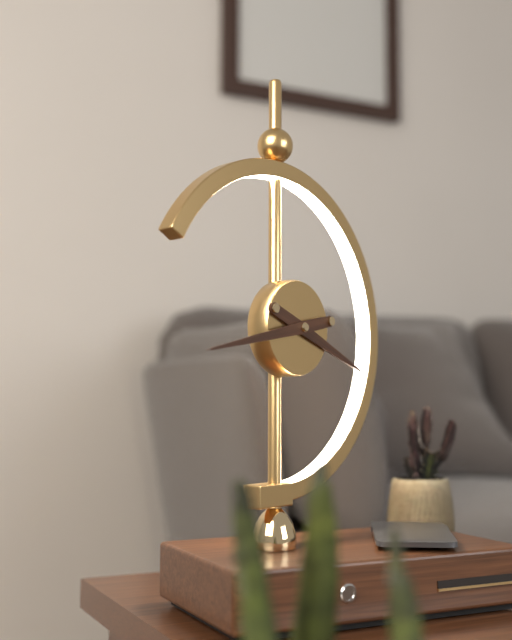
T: 3:43
